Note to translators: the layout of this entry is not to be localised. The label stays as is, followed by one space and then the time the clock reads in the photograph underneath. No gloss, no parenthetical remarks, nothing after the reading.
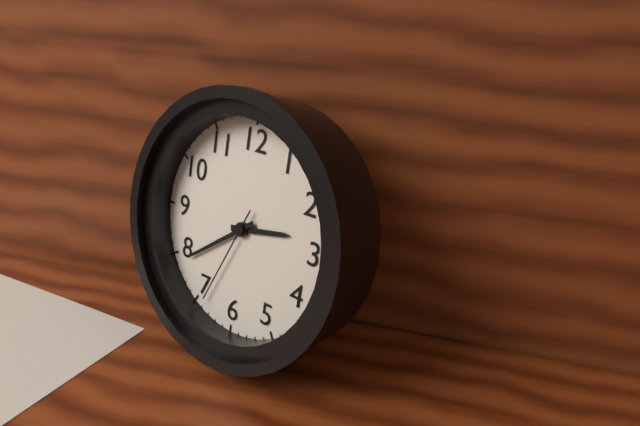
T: 2:39:34
